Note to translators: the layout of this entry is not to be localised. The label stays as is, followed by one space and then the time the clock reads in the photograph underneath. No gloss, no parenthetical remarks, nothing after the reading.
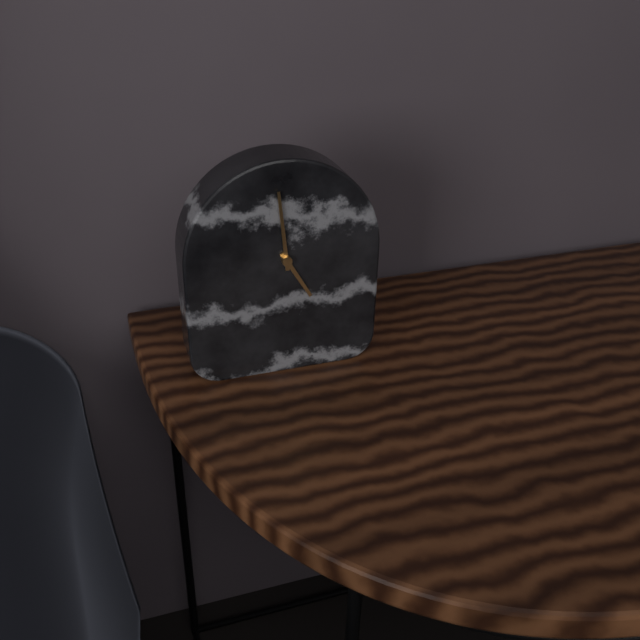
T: 4:59
